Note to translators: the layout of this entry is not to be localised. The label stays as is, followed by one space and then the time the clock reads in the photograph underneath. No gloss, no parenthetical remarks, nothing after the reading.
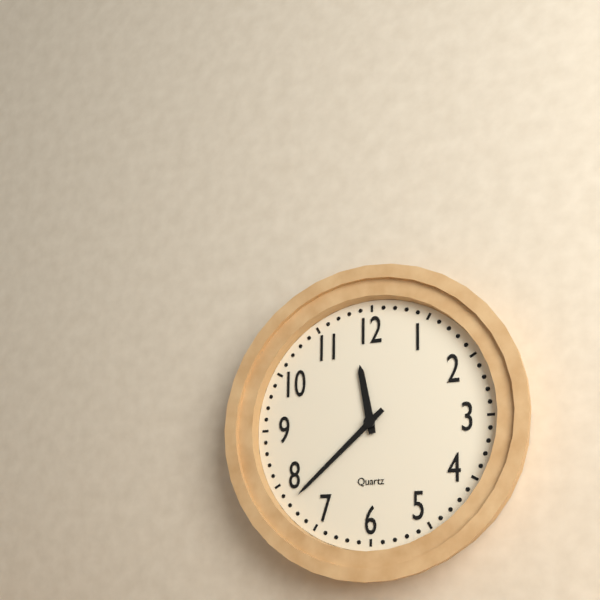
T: 11:38
